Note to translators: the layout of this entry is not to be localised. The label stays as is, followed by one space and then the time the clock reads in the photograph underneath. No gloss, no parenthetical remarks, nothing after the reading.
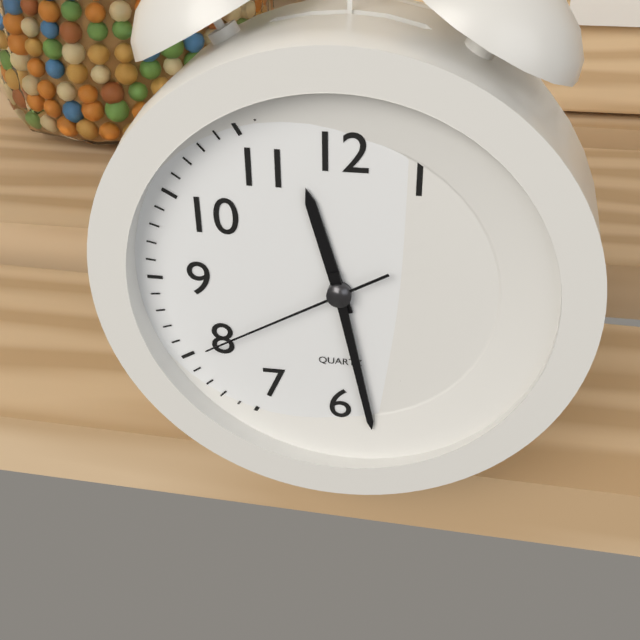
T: 11:28:40
